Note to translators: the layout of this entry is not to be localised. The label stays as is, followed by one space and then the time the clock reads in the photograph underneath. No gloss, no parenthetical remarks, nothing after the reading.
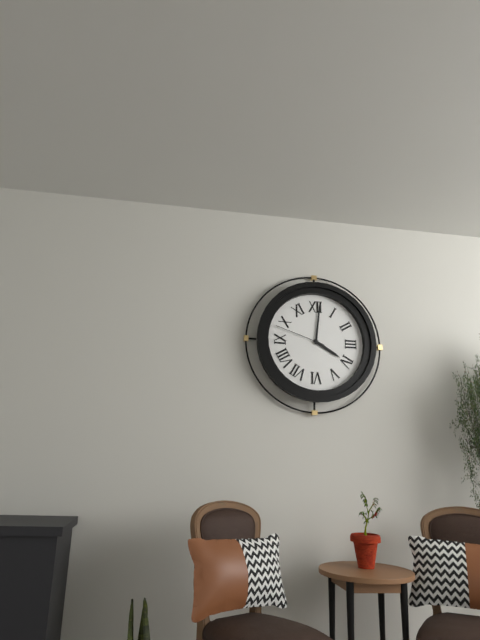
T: 4:01:48
